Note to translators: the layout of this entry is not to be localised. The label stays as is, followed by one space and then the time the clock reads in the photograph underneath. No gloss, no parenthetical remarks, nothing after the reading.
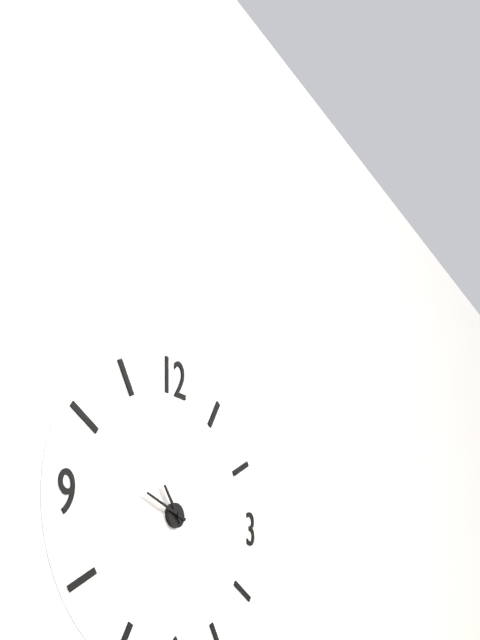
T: 10:48
